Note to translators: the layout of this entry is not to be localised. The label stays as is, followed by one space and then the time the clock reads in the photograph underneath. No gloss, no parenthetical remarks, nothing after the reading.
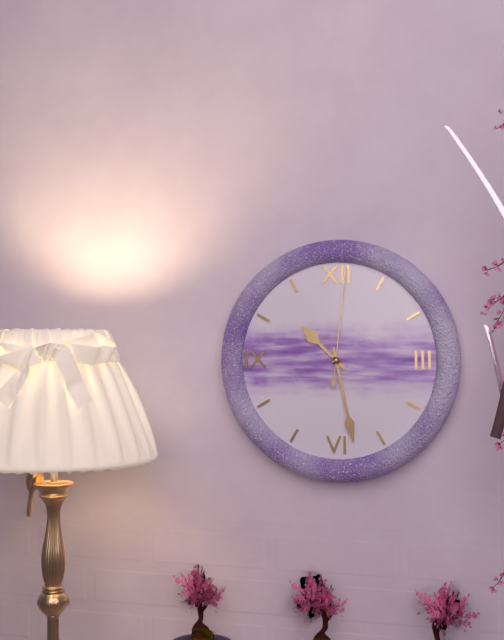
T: 10:28:01
